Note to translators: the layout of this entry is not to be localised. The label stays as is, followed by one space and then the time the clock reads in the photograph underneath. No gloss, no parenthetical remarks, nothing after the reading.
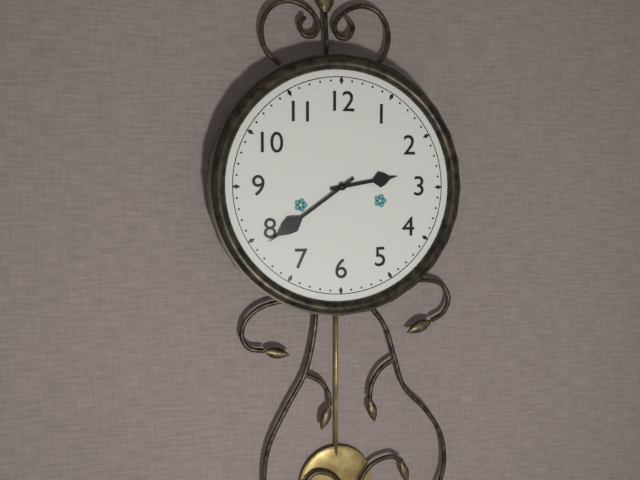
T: 2:39
